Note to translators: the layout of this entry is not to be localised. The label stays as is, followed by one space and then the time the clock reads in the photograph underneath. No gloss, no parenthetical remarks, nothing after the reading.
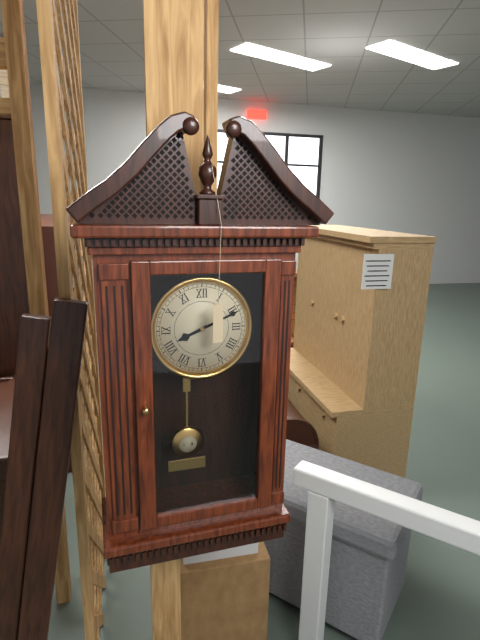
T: 8:11
